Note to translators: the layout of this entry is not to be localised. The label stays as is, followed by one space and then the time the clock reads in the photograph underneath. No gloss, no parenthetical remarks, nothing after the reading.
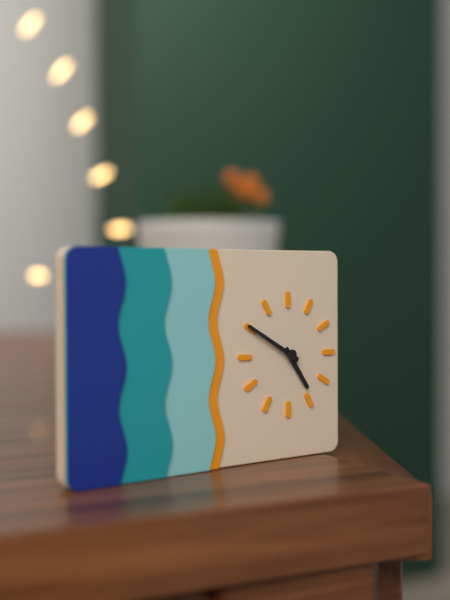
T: 4:50
